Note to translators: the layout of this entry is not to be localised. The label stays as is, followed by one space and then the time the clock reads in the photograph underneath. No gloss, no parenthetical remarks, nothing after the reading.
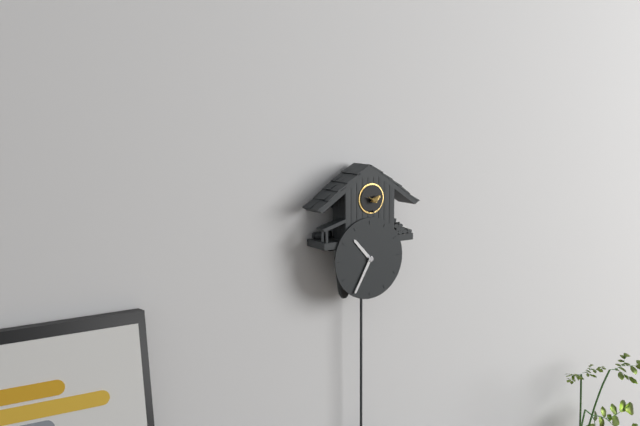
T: 10:35
